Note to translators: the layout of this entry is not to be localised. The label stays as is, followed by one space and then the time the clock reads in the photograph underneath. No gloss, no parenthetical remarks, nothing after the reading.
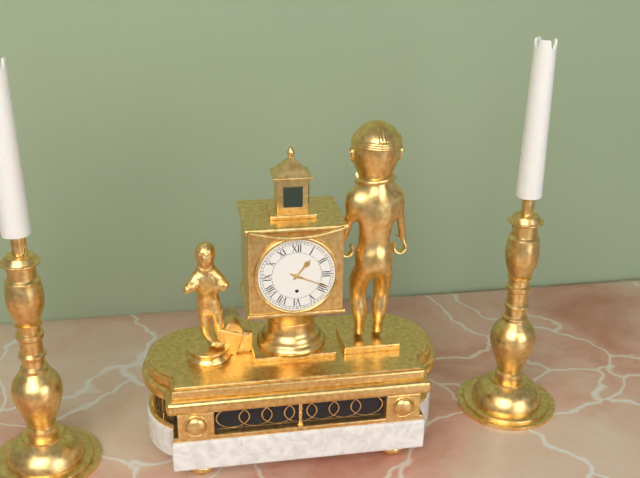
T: 1:19
